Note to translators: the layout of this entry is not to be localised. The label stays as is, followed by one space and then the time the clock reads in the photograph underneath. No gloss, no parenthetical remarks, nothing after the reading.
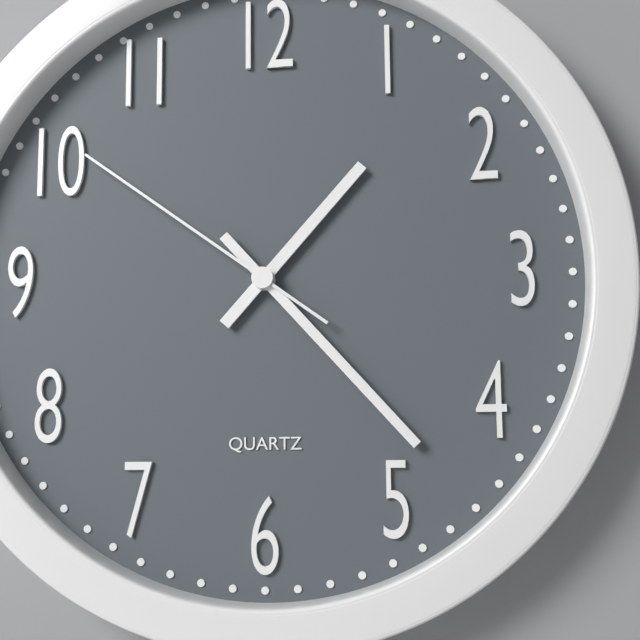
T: 1:23:51
